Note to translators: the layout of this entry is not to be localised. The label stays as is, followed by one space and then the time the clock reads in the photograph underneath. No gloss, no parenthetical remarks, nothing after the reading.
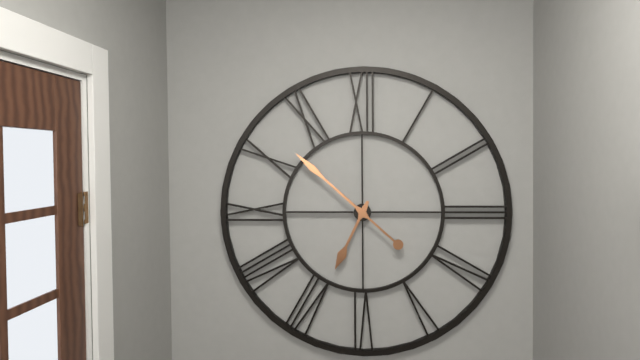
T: 6:52
